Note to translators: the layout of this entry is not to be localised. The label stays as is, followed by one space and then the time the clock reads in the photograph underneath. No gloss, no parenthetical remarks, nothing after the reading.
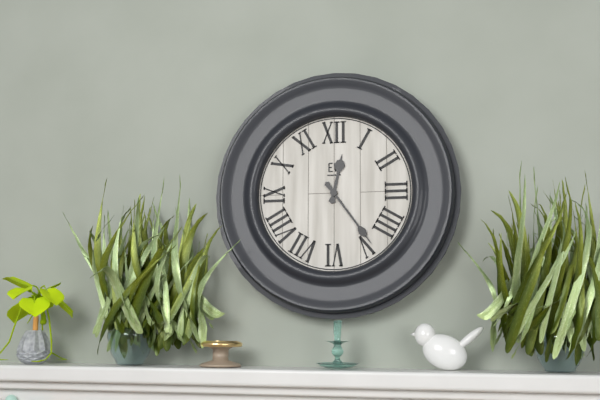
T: 12:24
